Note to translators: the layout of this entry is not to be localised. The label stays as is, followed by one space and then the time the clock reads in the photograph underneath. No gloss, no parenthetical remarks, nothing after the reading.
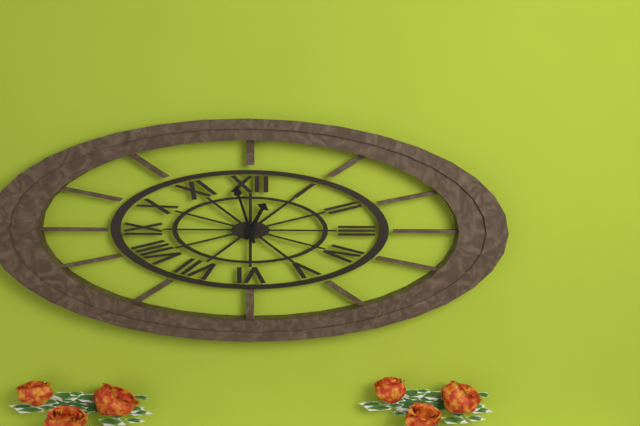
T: 12:57
